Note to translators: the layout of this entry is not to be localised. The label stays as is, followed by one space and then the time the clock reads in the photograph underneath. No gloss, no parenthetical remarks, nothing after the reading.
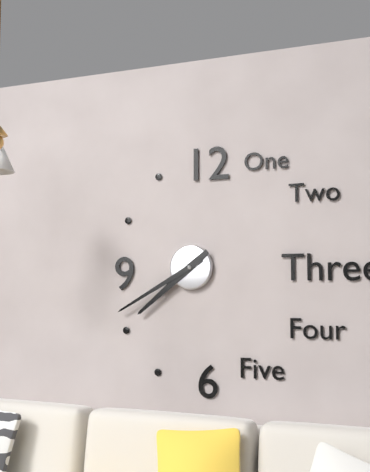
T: 7:40
